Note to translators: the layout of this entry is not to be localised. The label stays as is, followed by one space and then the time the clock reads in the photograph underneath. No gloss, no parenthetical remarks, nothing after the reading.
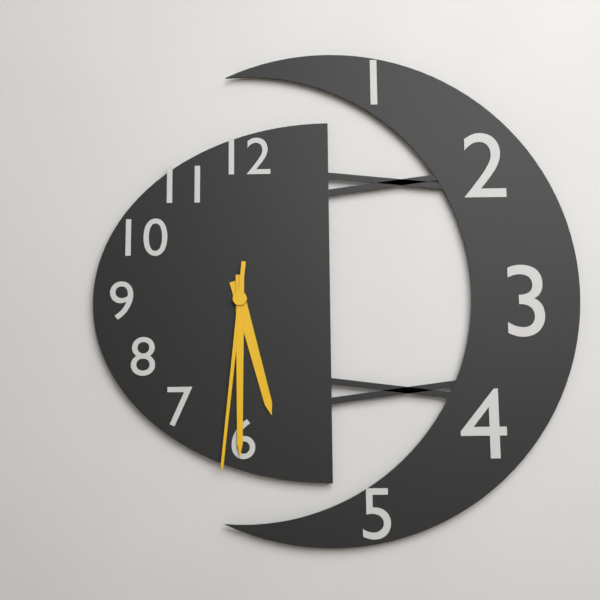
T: 5:30:31
